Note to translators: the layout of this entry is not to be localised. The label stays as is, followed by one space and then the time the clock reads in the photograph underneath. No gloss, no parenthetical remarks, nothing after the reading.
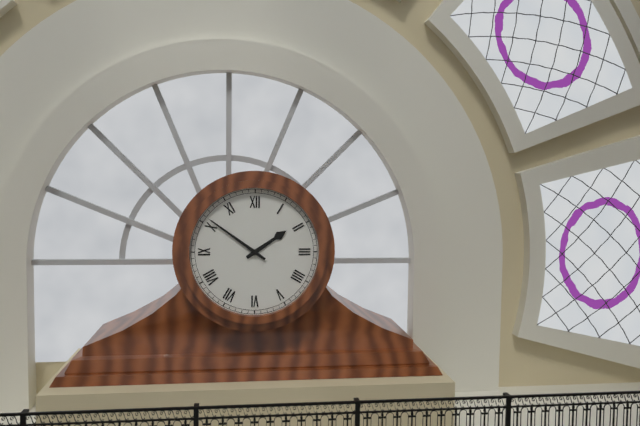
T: 1:51
